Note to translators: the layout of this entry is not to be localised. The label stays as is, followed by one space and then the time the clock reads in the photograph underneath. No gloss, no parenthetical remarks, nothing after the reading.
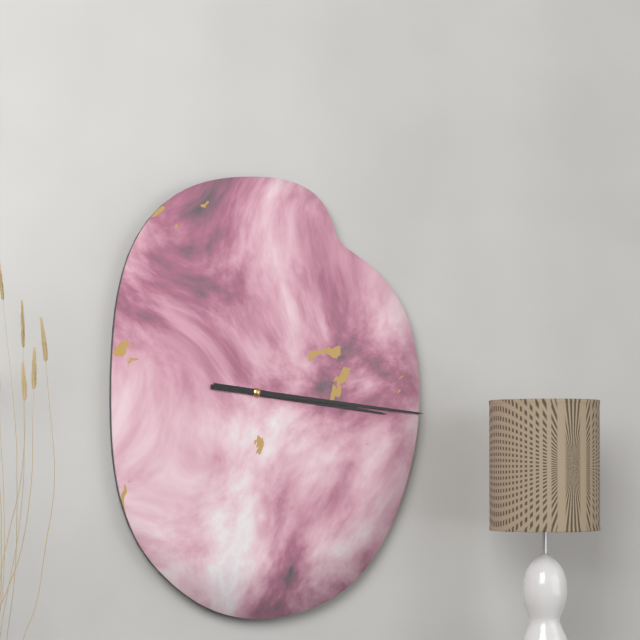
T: 3:16
